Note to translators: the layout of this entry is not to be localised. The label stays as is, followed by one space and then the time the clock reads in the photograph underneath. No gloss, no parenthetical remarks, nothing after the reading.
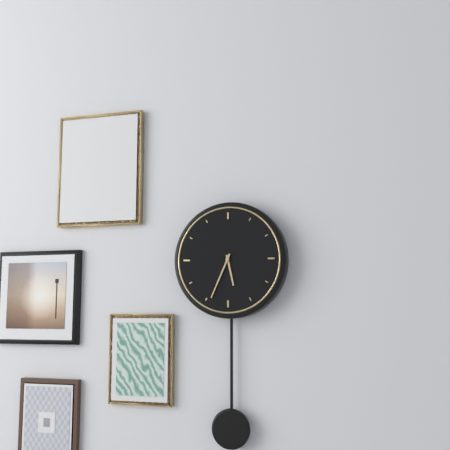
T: 5:34
